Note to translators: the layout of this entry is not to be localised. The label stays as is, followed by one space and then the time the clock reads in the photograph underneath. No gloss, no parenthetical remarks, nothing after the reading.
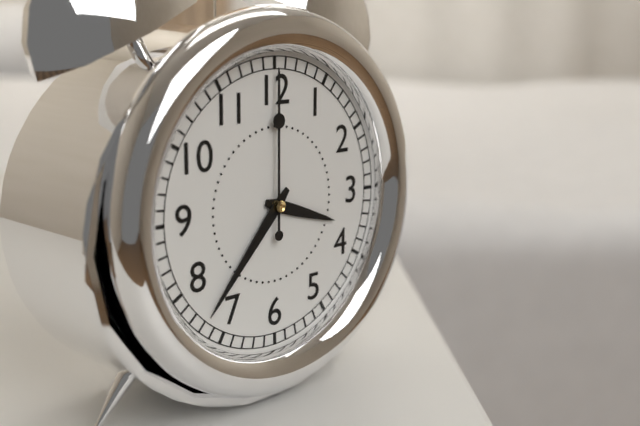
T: 3:37:00
